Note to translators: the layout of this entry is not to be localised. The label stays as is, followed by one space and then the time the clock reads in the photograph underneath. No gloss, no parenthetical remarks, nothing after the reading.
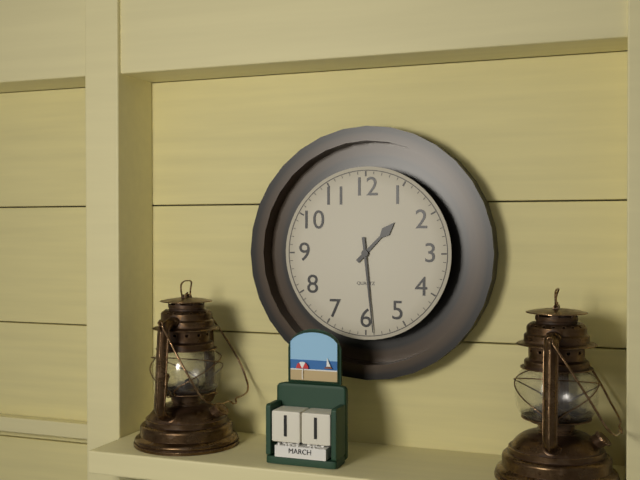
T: 1:29
